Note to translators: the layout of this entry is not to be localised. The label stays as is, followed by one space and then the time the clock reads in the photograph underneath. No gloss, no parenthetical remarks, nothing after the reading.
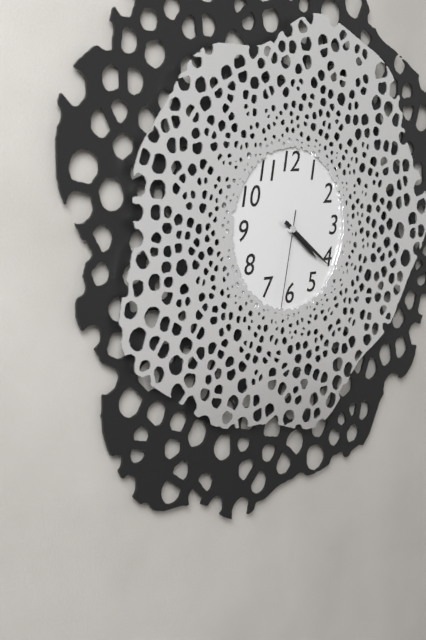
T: 4:21:32
